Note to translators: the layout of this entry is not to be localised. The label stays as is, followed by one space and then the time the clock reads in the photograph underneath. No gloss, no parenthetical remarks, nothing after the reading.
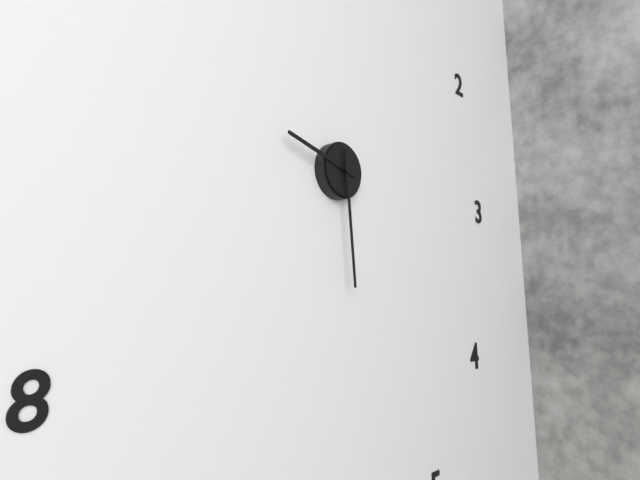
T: 9:29
